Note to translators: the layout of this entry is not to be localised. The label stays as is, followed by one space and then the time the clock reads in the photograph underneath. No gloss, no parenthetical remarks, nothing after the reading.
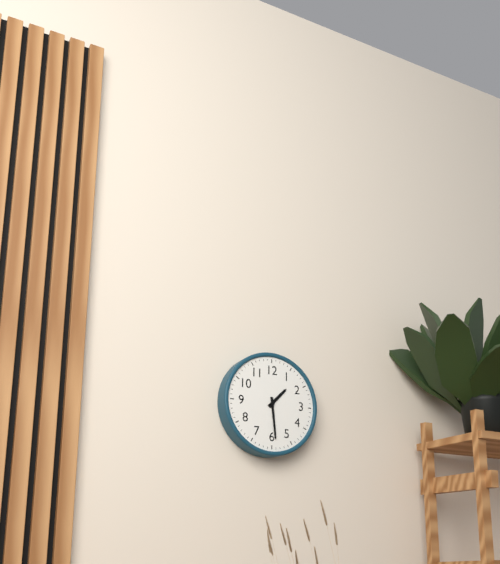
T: 1:29
